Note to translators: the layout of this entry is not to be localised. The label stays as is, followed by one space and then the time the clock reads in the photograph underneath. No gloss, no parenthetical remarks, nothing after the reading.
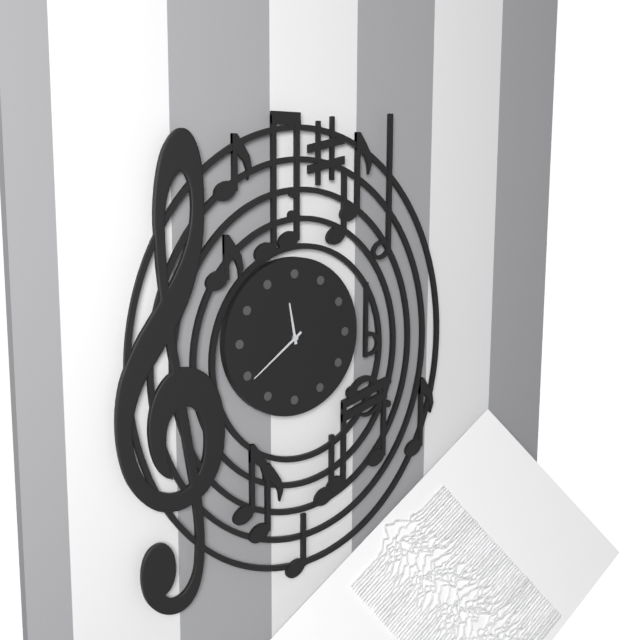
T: 11:39
